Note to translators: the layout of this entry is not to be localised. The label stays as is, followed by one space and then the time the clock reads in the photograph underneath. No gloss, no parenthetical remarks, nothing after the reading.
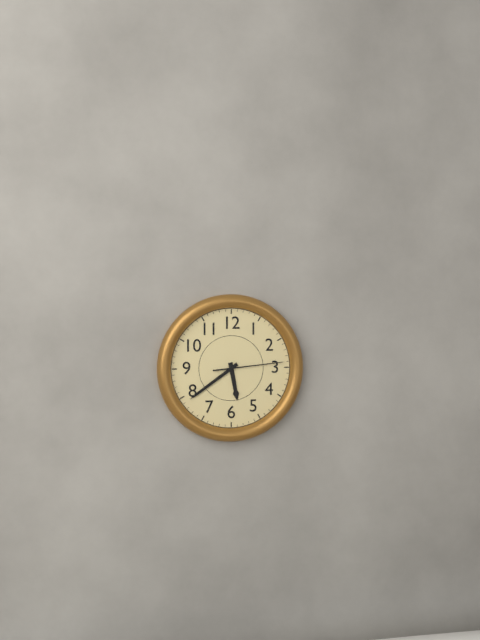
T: 5:39:14
